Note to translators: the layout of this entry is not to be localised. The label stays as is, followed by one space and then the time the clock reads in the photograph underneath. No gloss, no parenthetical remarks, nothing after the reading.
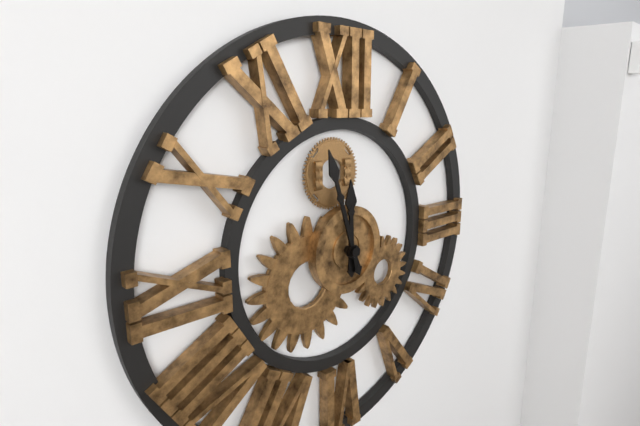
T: 11:57
